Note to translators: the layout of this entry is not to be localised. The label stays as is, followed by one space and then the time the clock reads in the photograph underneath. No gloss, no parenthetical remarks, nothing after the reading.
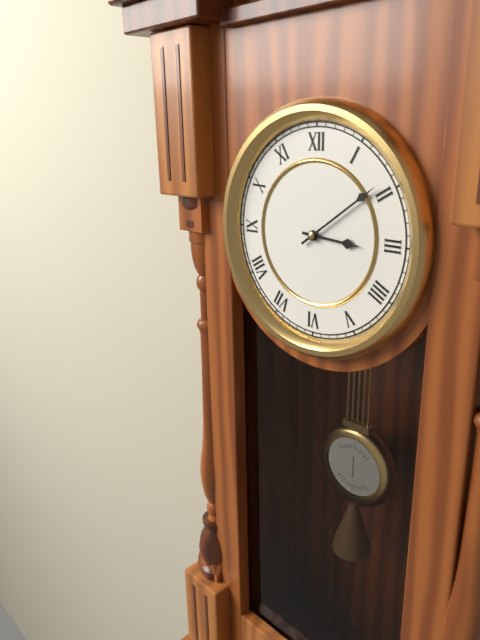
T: 3:09
